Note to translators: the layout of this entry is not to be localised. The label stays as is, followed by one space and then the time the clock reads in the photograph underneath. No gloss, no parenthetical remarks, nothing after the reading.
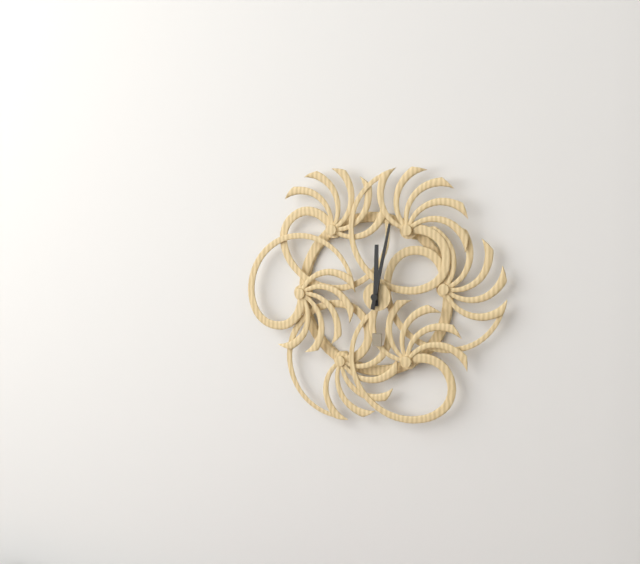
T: 12:02
